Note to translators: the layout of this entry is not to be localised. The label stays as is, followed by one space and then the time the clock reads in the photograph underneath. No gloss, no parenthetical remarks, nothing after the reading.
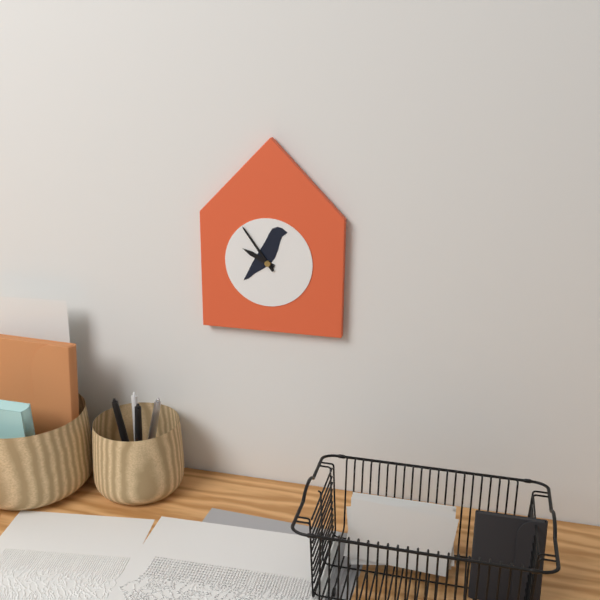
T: 9:54
